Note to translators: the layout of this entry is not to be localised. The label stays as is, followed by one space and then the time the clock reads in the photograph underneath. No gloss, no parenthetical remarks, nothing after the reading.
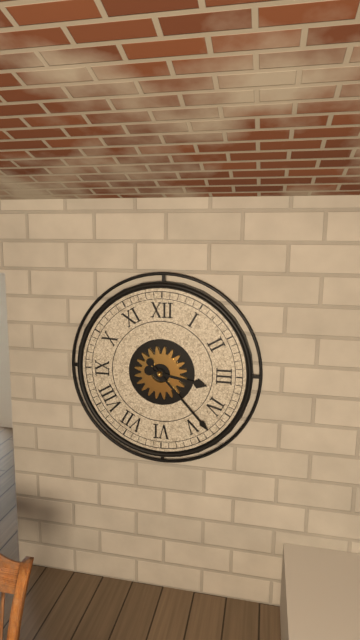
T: 3:23
